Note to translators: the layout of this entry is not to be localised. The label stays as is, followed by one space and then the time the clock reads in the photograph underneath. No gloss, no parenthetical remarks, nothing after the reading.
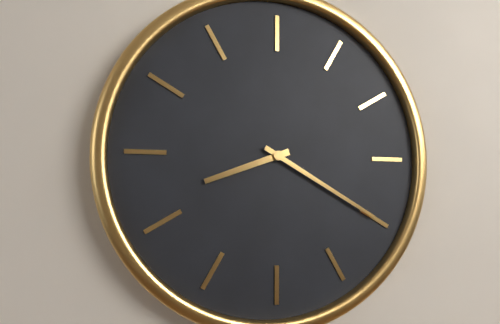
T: 8:20
